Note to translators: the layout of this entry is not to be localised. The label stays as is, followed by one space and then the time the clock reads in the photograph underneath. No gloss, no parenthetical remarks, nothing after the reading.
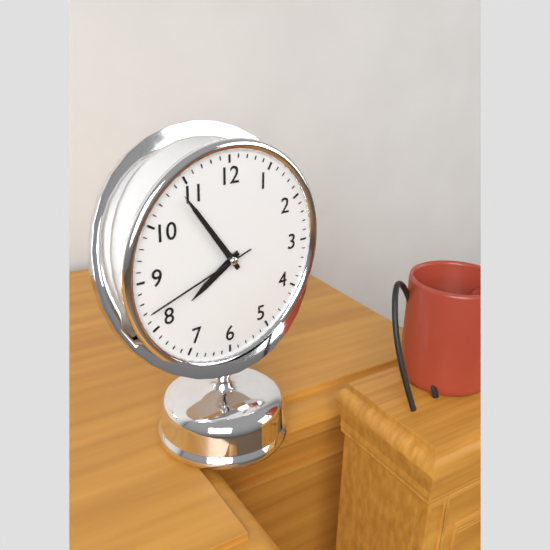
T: 7:54:42
